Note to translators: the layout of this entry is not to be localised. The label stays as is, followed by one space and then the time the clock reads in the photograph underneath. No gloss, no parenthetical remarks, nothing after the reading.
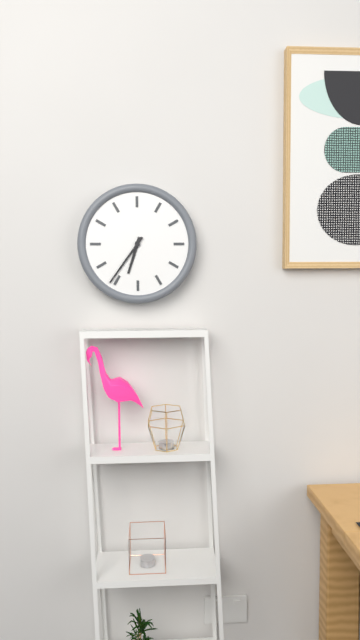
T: 6:36
